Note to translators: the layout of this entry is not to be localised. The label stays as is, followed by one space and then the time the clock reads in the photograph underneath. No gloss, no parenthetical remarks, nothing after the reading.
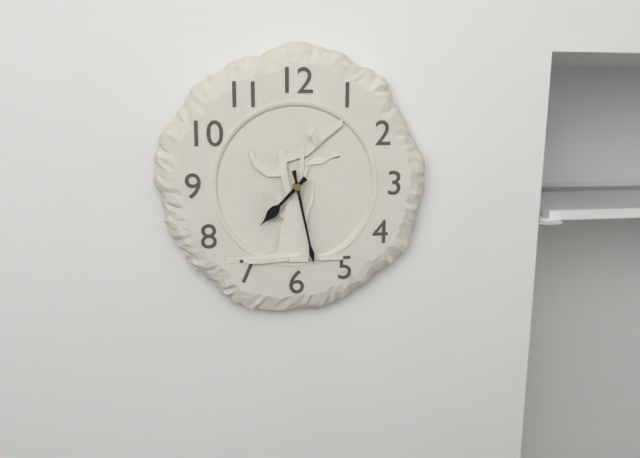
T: 7:28
